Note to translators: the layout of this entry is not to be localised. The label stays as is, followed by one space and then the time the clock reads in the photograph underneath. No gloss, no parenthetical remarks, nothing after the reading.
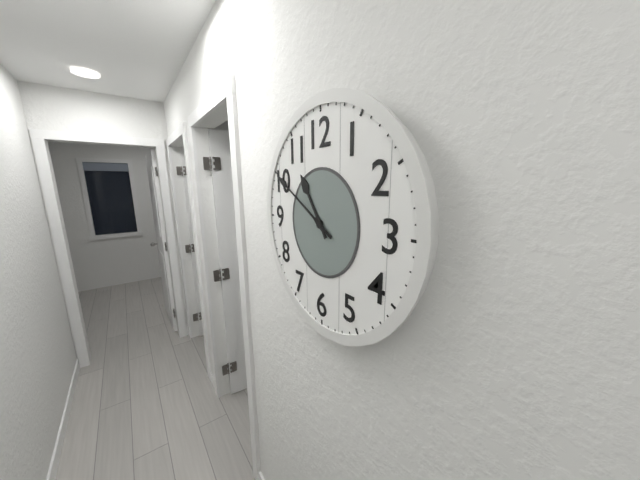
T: 10:50
